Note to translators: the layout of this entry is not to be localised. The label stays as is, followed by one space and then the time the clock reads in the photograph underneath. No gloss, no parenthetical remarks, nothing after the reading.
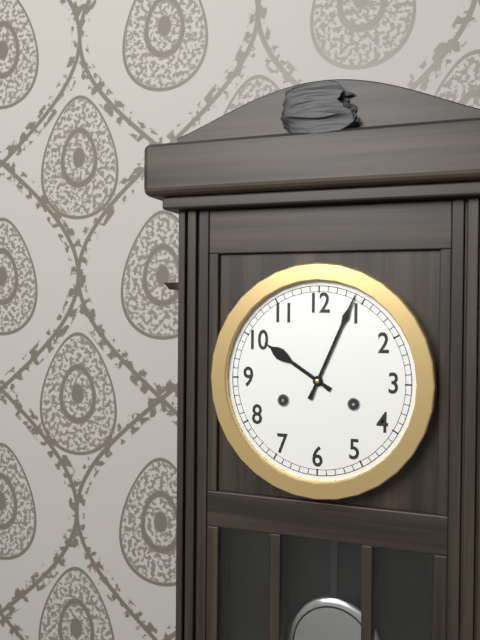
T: 10:04
